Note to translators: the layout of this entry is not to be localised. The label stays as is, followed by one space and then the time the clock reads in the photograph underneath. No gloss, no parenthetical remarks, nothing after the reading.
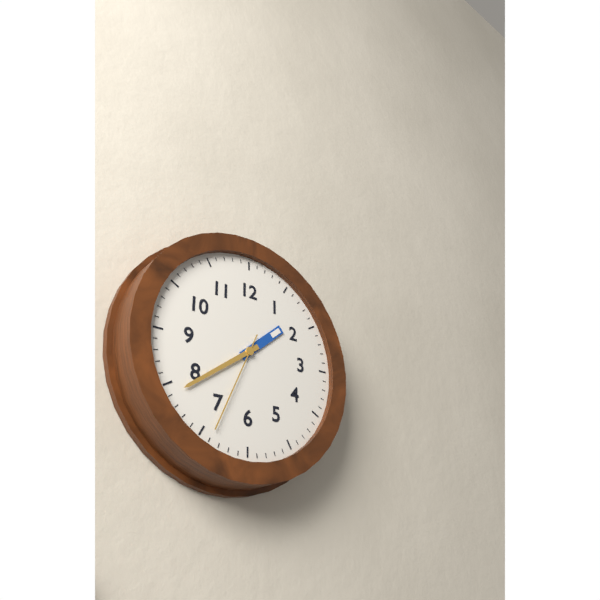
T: 1:39:34
